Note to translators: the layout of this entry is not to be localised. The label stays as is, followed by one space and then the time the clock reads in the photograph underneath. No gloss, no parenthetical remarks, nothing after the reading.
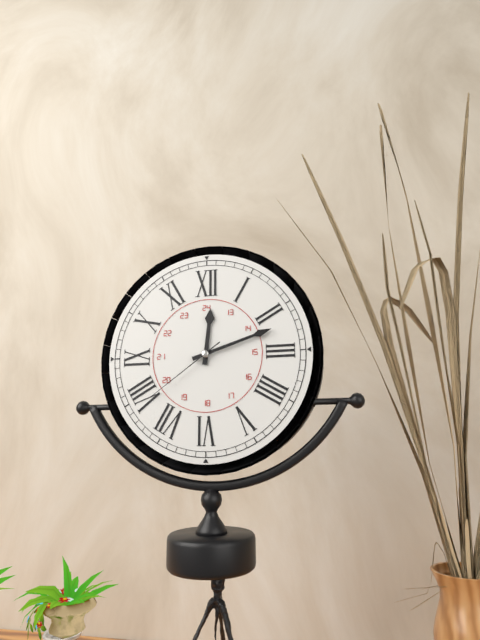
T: 12:12:39
